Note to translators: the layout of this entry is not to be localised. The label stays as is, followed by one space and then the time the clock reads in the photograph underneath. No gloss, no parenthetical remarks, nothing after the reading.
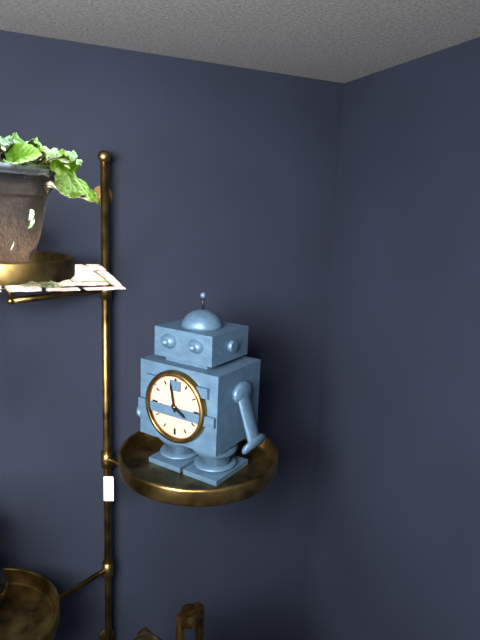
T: 3:58
